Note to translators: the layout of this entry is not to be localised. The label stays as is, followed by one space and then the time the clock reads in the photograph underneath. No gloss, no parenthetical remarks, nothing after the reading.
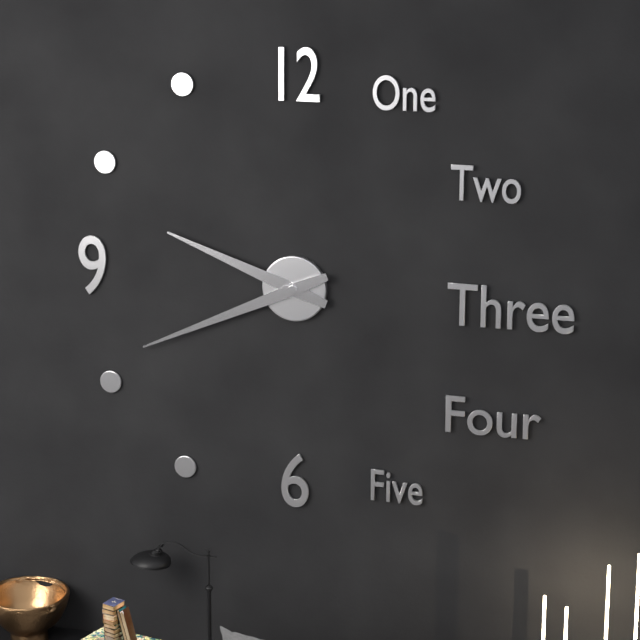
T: 9:41
